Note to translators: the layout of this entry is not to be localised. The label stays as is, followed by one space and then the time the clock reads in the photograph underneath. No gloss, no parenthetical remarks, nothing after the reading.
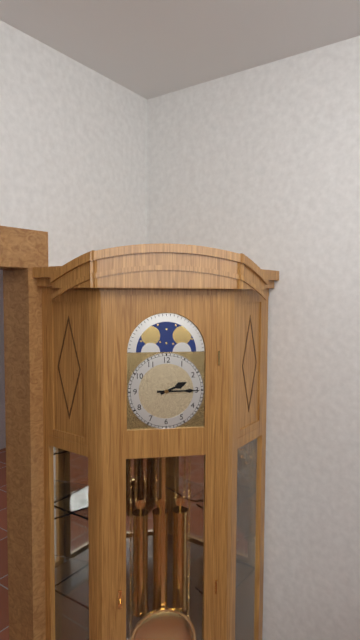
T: 2:15
